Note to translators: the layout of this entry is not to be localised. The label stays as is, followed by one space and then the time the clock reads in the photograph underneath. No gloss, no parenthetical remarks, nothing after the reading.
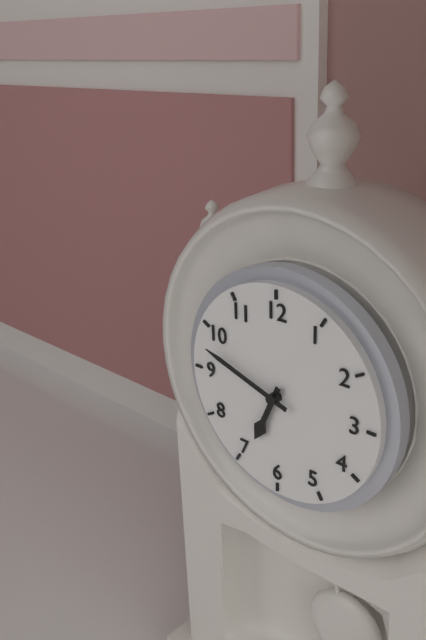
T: 6:48
